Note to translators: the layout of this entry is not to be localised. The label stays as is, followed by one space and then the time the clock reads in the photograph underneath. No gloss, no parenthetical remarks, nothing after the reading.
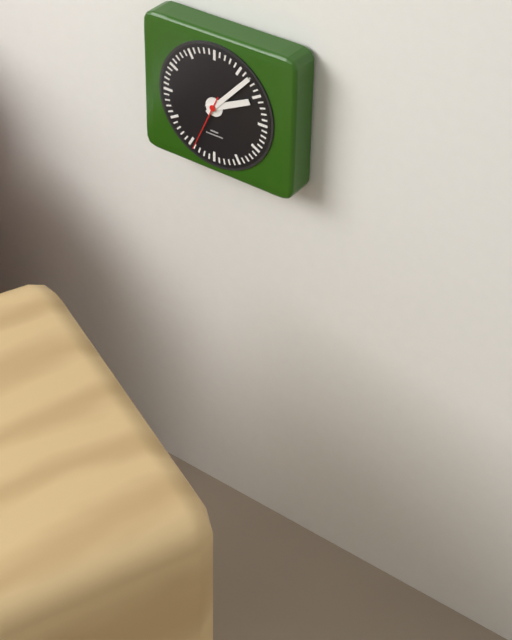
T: 2:07:34
